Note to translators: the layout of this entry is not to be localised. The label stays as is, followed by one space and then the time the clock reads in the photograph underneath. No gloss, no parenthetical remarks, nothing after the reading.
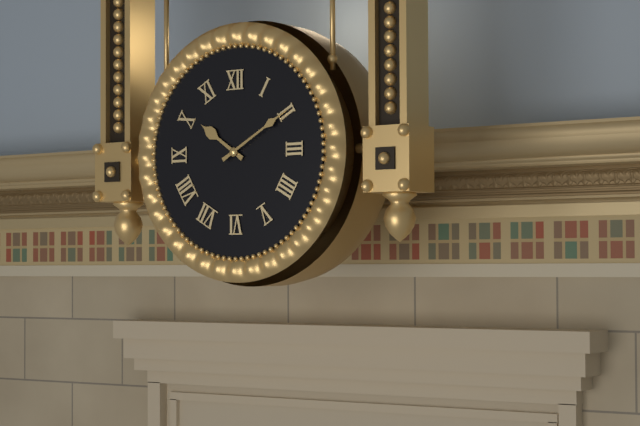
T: 10:10
